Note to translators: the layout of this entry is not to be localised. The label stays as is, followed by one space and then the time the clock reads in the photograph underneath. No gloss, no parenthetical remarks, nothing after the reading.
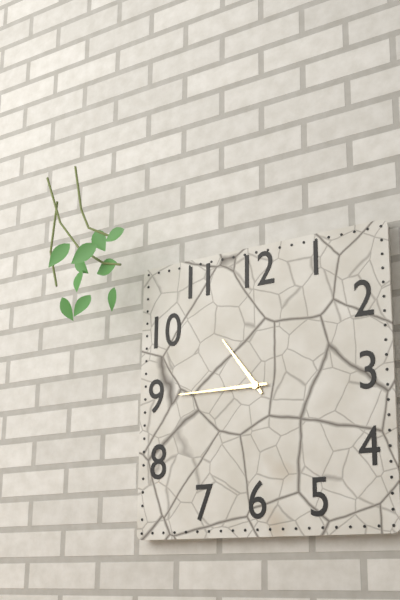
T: 10:45
